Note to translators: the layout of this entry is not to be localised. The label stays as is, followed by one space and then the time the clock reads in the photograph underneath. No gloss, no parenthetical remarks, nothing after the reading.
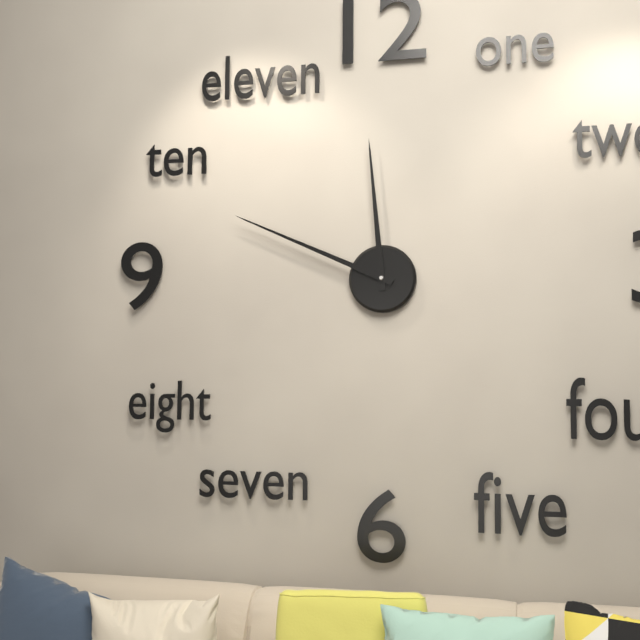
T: 11:49
